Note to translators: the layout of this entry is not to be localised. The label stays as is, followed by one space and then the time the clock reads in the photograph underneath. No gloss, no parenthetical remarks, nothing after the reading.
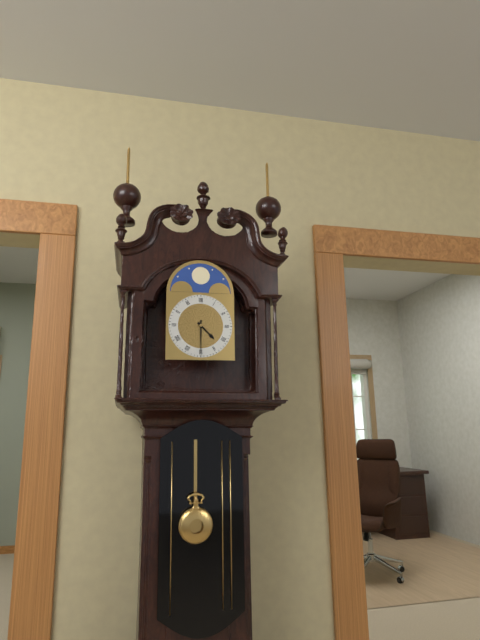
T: 4:30
